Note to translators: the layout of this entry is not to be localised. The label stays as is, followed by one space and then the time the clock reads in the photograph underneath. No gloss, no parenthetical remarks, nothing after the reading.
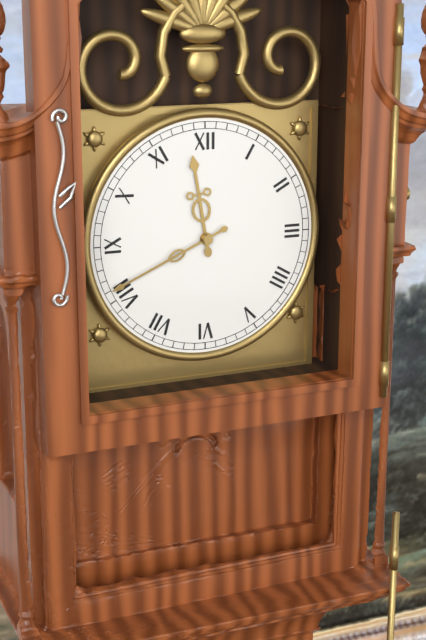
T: 11:41
